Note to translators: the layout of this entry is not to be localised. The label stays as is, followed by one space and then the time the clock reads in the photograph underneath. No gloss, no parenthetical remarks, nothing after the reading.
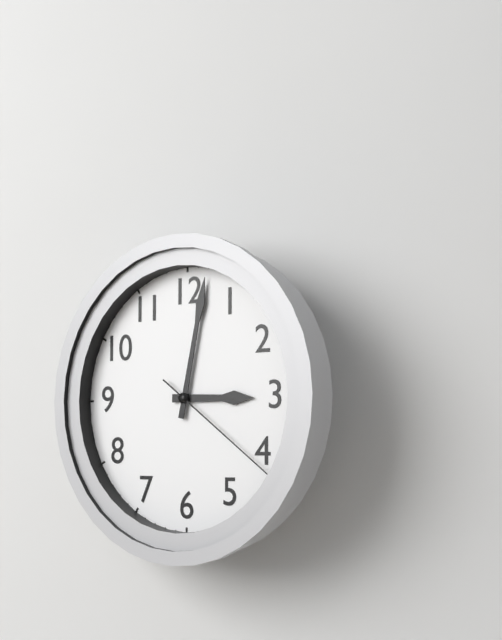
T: 3:02:21
